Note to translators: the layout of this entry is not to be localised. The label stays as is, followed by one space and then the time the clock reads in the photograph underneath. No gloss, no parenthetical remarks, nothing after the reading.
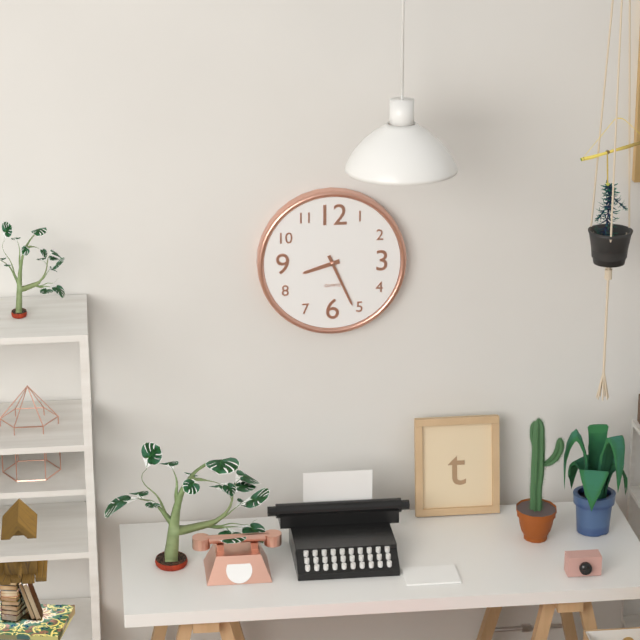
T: 8:26
